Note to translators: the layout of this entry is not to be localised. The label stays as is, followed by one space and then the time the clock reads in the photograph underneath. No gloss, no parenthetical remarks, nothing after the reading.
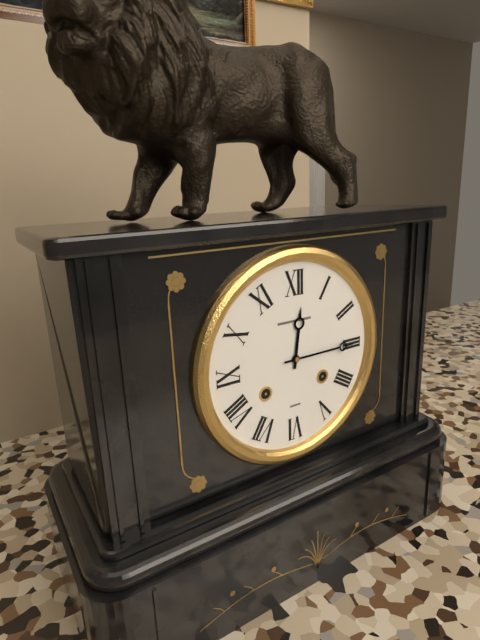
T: 12:15
